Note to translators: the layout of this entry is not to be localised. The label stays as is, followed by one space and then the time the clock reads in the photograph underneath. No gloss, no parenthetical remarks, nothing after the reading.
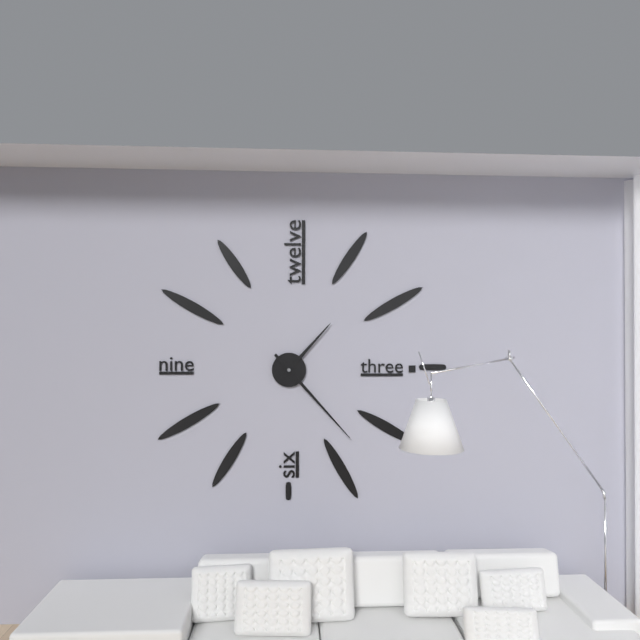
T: 1:23
